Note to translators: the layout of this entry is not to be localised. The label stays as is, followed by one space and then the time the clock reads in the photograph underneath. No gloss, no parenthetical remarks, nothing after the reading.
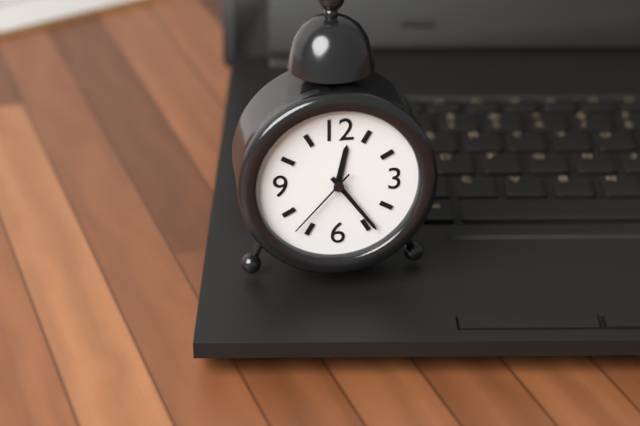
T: 12:24:37
